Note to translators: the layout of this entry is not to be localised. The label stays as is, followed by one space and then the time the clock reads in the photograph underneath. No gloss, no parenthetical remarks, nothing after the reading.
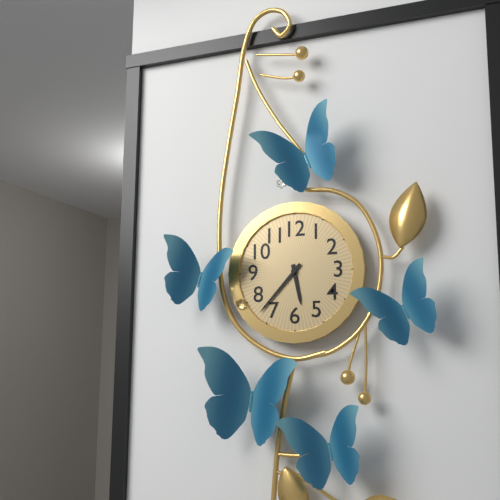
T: 5:37
